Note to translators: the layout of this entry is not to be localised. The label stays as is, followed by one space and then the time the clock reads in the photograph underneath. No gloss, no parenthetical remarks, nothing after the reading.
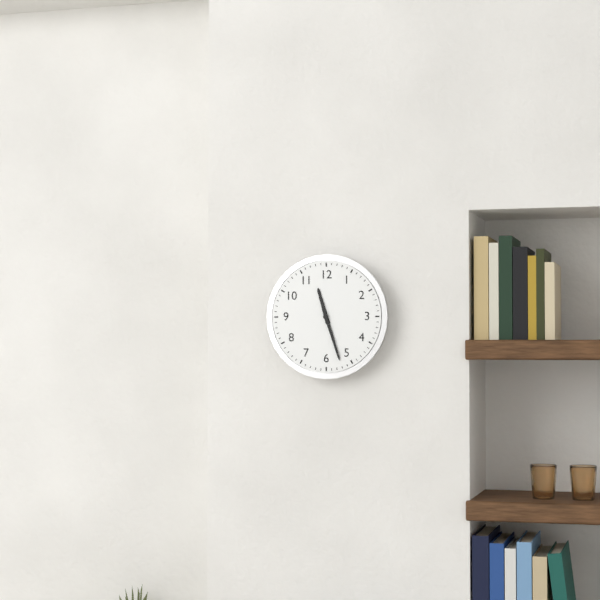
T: 11:27
